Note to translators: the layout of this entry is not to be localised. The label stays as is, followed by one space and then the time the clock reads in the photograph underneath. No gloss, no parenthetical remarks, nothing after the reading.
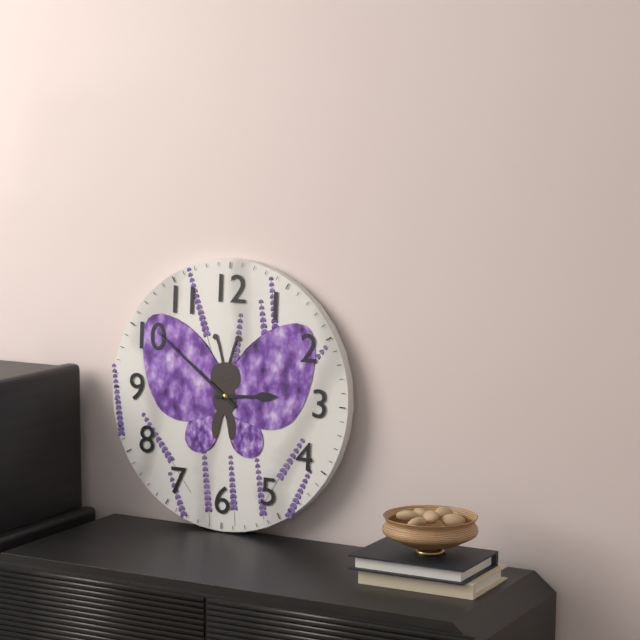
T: 2:51
